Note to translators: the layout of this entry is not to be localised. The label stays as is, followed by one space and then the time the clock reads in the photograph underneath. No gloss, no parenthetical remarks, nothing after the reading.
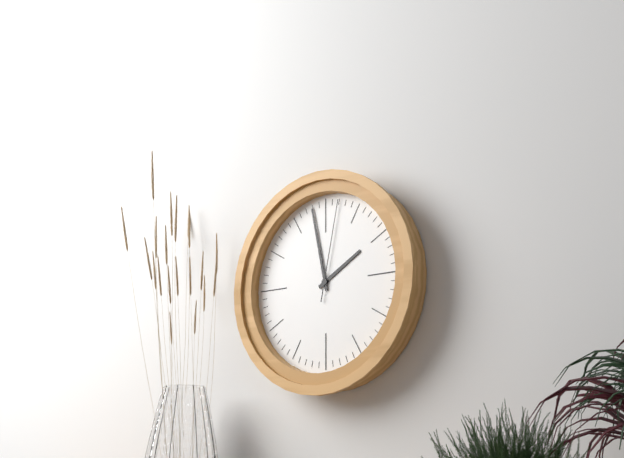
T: 1:58:02
